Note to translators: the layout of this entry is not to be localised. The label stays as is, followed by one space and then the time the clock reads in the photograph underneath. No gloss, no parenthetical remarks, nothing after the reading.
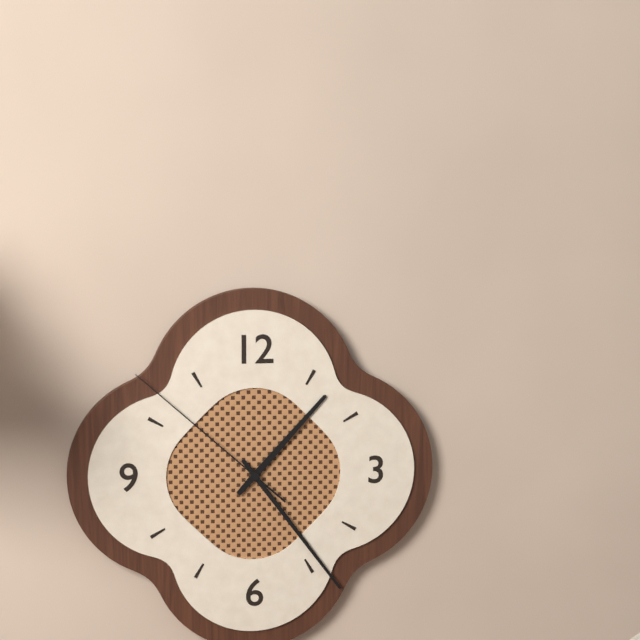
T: 1:24:52
